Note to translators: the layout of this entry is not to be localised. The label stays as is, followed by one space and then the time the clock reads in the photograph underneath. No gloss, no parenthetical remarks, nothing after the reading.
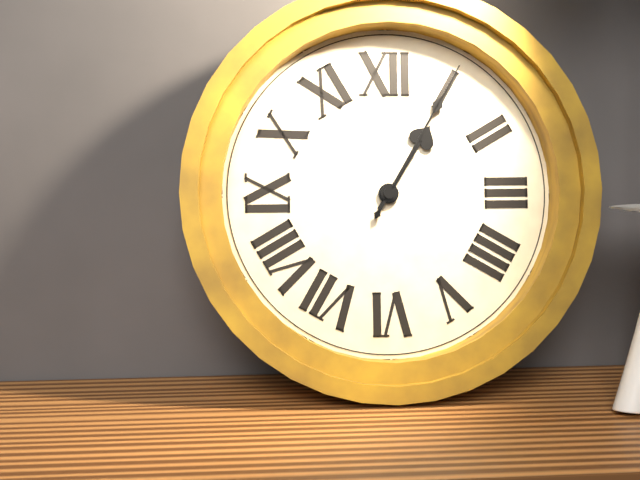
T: 1:05
